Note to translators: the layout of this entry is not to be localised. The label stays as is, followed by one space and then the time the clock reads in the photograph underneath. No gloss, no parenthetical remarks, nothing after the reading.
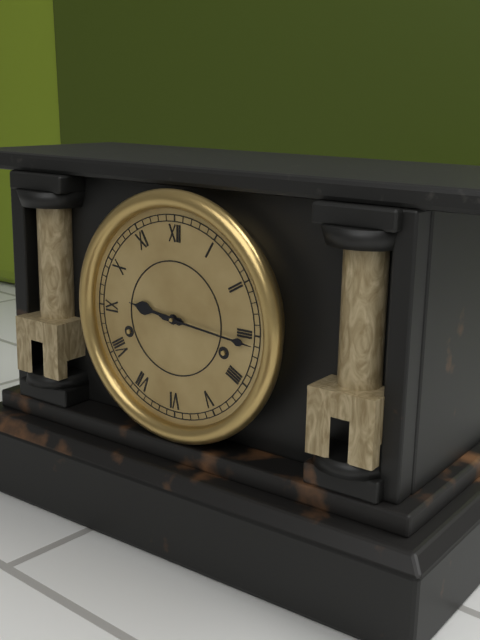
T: 9:16
